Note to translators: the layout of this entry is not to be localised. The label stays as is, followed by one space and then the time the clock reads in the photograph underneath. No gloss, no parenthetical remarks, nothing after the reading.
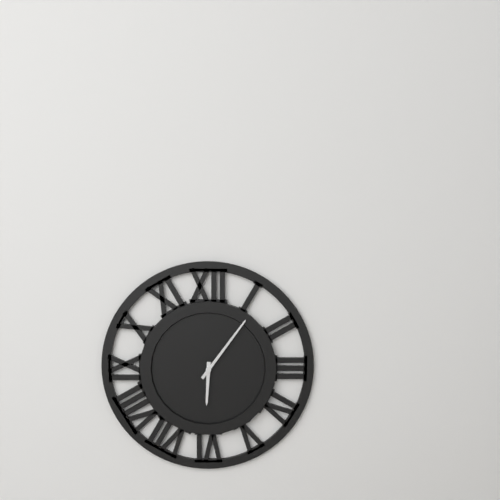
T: 6:06
